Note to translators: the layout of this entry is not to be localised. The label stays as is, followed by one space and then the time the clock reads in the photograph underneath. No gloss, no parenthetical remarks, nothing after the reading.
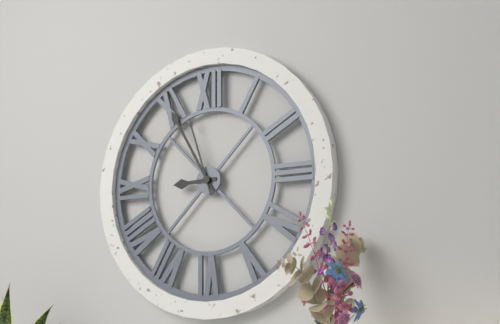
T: 8:55:57
